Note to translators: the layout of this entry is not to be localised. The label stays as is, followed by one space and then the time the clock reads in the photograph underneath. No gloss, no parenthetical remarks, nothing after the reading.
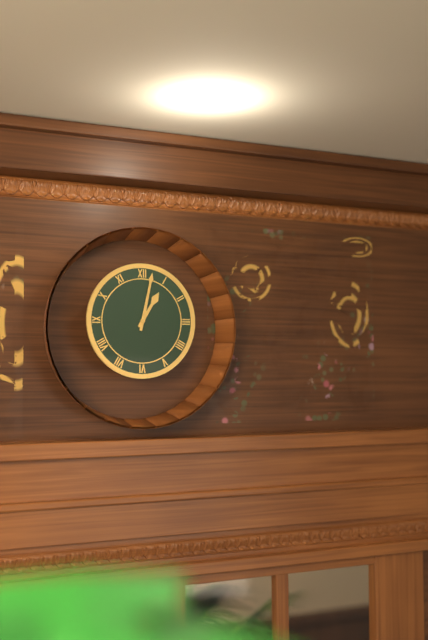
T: 1:02
